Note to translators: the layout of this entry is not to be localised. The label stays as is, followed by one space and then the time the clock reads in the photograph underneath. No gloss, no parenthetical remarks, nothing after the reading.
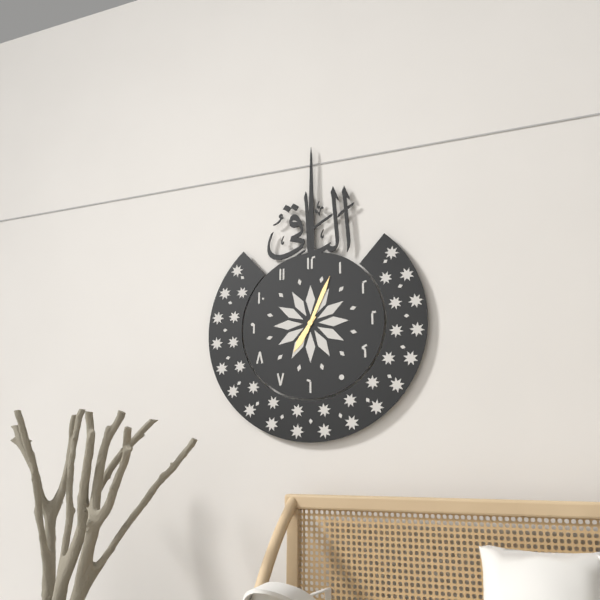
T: 7:04
